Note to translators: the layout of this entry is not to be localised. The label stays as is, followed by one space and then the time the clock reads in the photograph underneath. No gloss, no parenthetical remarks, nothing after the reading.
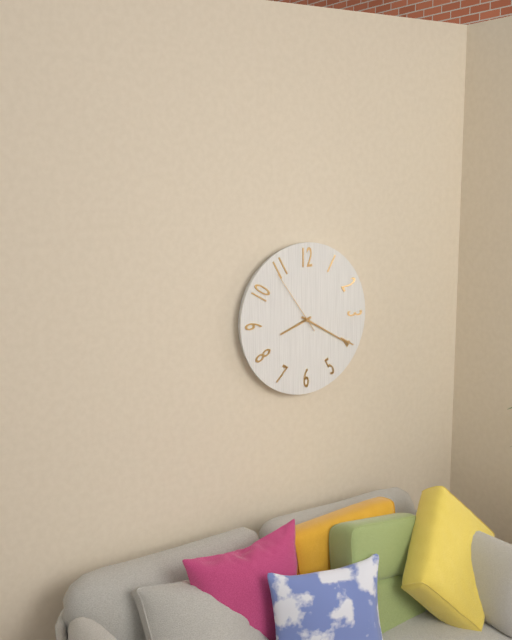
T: 8:20:54
